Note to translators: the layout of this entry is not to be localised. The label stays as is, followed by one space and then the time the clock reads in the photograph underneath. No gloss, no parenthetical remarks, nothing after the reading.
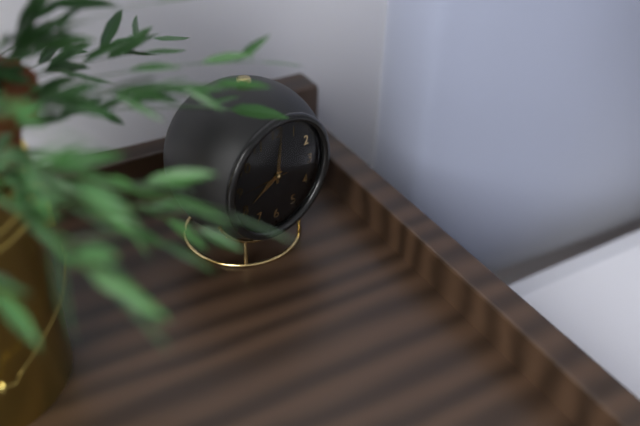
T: 8:01
